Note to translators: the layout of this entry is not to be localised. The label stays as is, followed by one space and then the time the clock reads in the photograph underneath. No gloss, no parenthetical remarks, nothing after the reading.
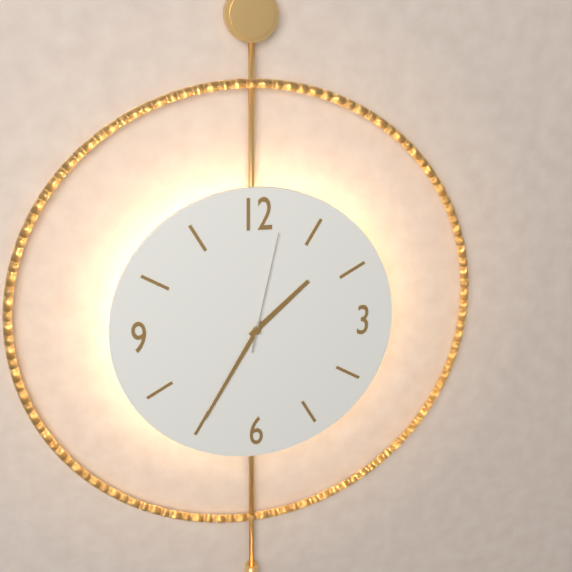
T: 1:35:02
